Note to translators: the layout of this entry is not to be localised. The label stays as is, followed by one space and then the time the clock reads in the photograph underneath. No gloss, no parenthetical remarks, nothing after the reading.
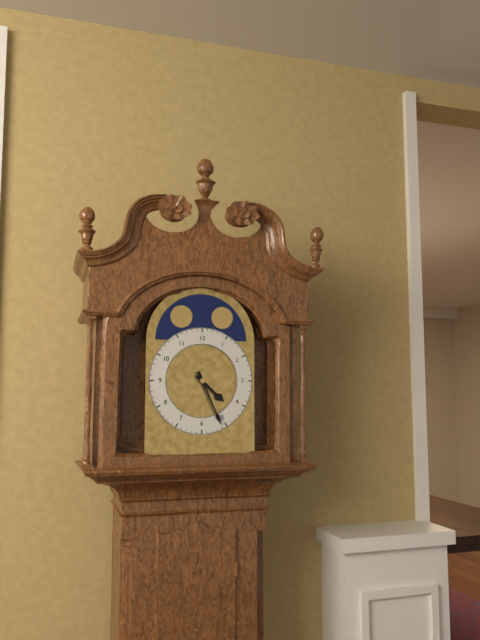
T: 4:26
